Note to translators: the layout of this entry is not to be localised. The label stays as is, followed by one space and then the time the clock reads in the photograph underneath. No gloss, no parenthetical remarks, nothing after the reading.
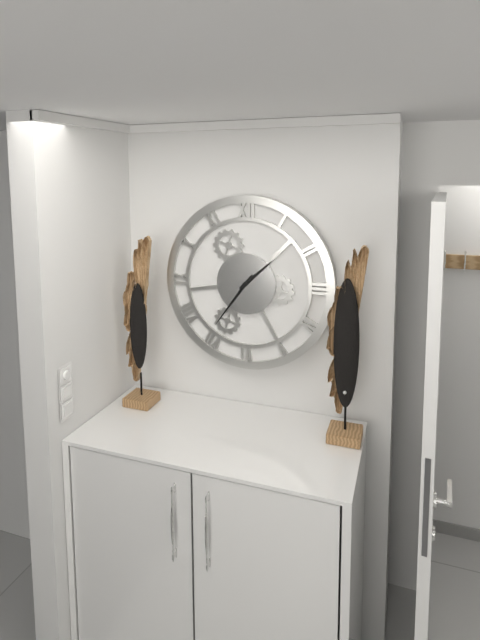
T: 1:36
